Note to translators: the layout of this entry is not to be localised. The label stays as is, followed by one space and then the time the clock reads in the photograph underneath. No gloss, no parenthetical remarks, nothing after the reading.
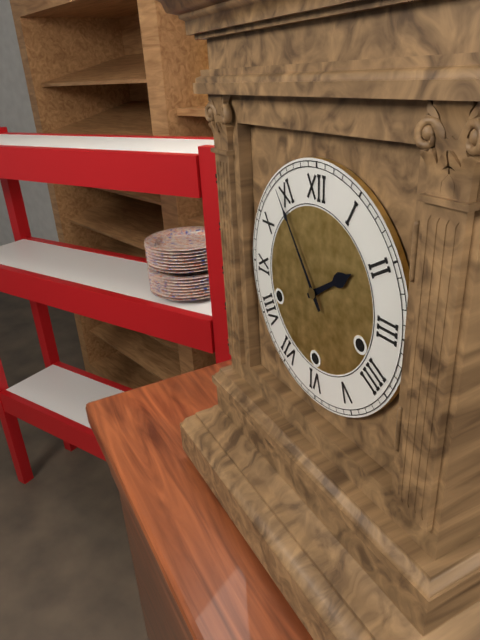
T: 1:54
